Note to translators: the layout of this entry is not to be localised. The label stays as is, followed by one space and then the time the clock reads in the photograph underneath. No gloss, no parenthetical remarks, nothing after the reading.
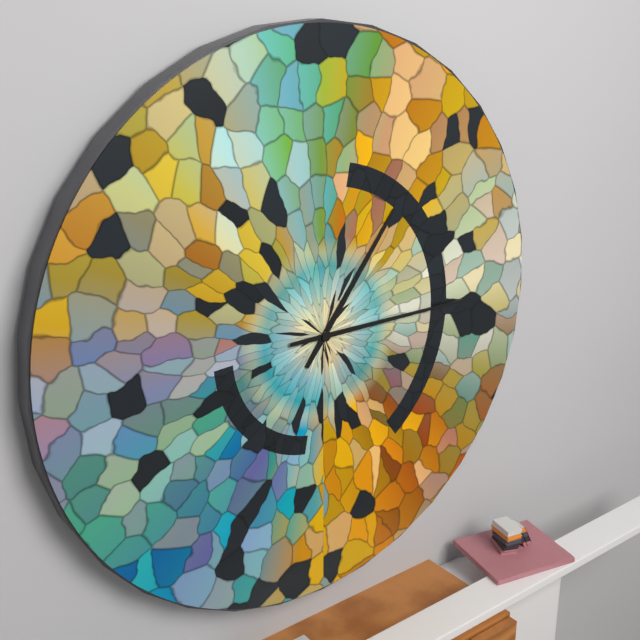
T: 1:15
